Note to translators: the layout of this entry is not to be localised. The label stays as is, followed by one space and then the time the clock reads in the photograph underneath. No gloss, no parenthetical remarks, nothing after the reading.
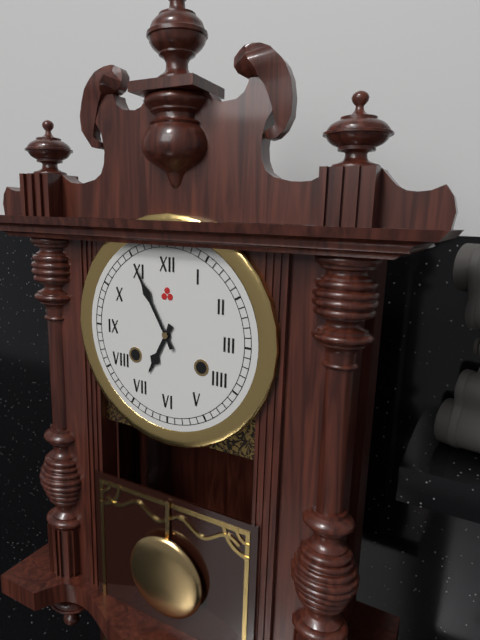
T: 6:55
